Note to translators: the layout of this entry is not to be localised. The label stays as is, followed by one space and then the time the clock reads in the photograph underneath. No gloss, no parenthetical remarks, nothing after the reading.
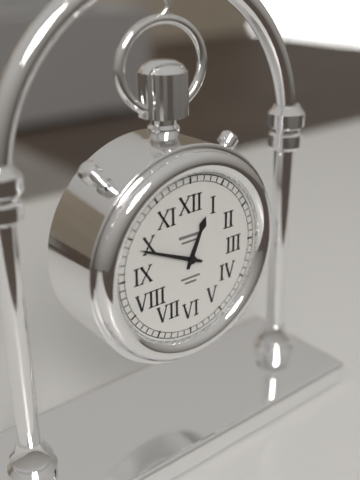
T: 12:49
